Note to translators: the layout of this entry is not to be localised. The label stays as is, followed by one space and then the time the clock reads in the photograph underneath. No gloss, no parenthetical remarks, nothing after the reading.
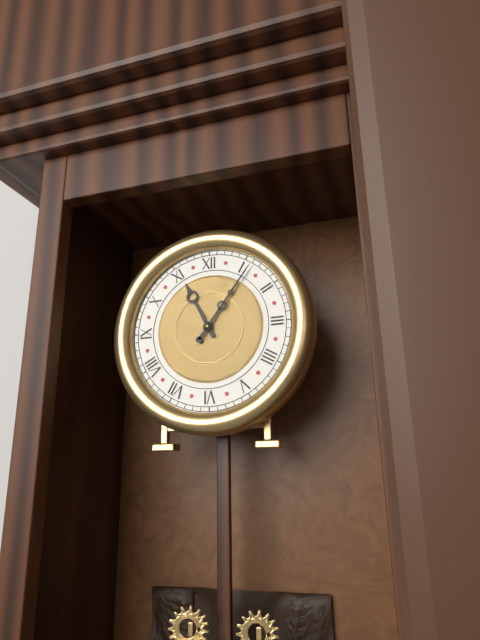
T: 11:06
